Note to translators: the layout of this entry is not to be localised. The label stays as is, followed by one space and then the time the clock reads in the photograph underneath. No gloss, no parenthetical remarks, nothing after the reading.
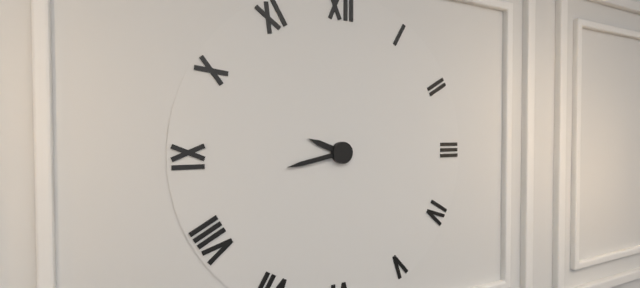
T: 9:43
